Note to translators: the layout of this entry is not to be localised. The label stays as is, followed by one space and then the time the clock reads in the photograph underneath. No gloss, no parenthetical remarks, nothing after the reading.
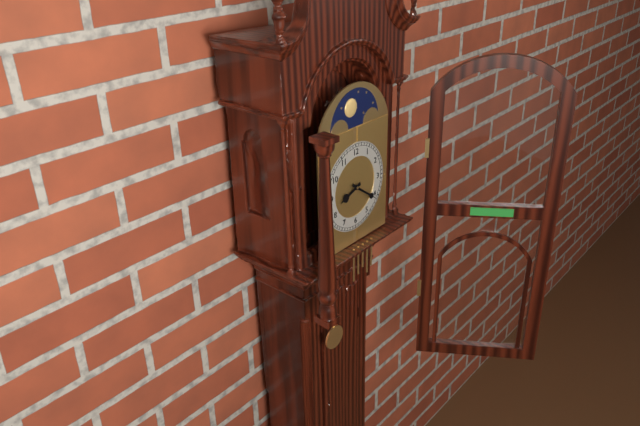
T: 8:21
